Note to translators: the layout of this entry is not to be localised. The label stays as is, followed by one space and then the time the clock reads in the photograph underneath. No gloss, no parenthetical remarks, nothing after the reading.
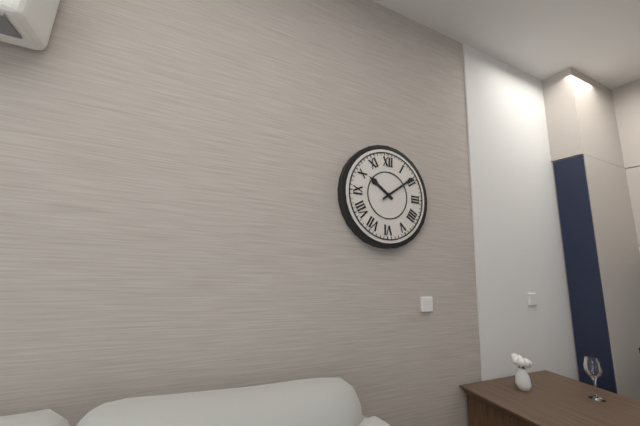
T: 10:09
